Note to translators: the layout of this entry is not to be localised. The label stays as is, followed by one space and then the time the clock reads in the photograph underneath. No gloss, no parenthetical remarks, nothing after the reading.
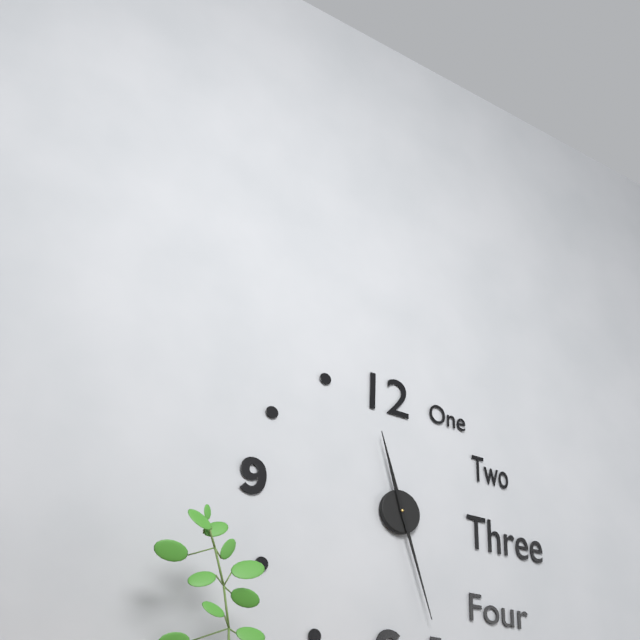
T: 11:27
